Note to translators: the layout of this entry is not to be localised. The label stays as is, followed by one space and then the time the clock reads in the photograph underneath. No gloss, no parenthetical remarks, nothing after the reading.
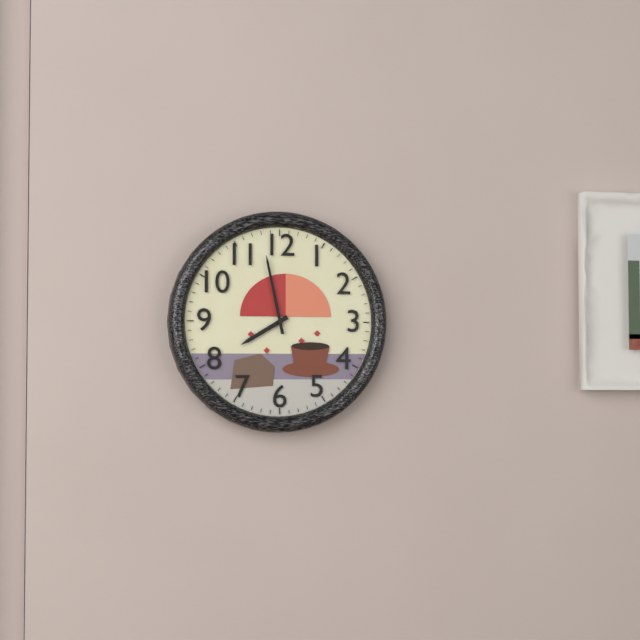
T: 7:58
